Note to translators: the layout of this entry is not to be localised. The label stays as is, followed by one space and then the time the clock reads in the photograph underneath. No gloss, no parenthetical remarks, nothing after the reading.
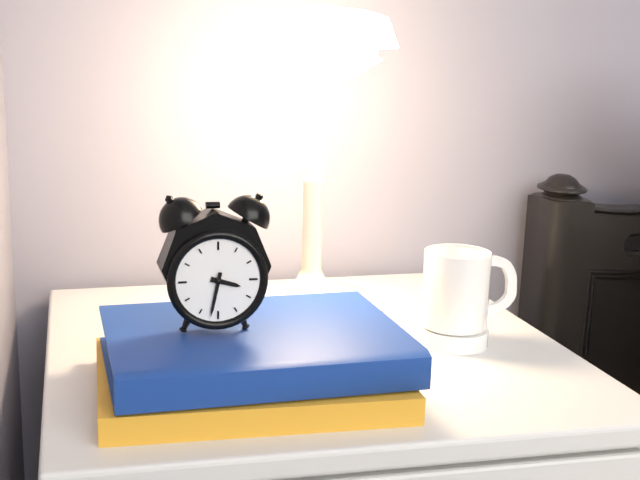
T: 3:32
